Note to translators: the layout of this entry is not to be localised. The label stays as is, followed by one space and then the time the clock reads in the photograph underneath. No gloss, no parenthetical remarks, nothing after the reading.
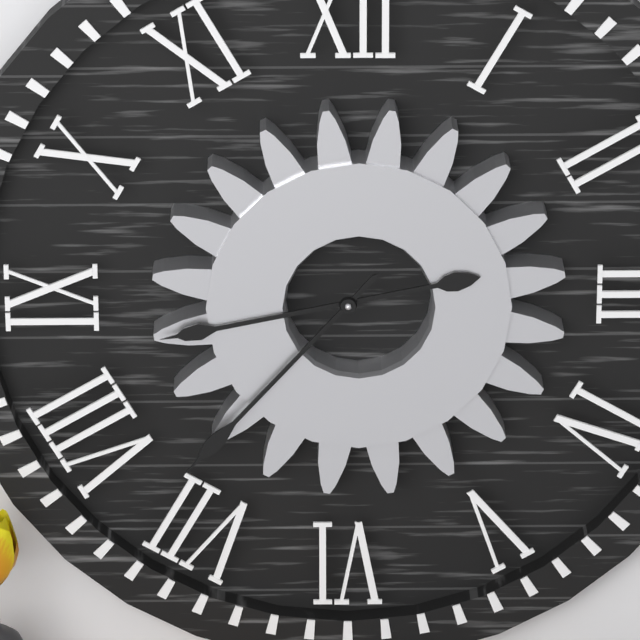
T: 8:37
